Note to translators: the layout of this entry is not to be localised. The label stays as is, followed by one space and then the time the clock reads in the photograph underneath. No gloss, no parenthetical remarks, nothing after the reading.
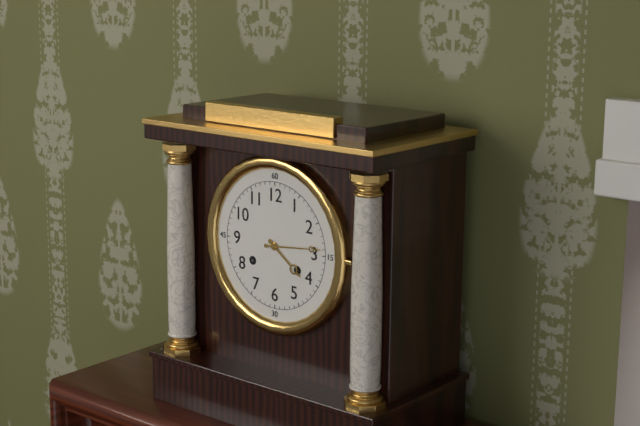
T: 4:14
